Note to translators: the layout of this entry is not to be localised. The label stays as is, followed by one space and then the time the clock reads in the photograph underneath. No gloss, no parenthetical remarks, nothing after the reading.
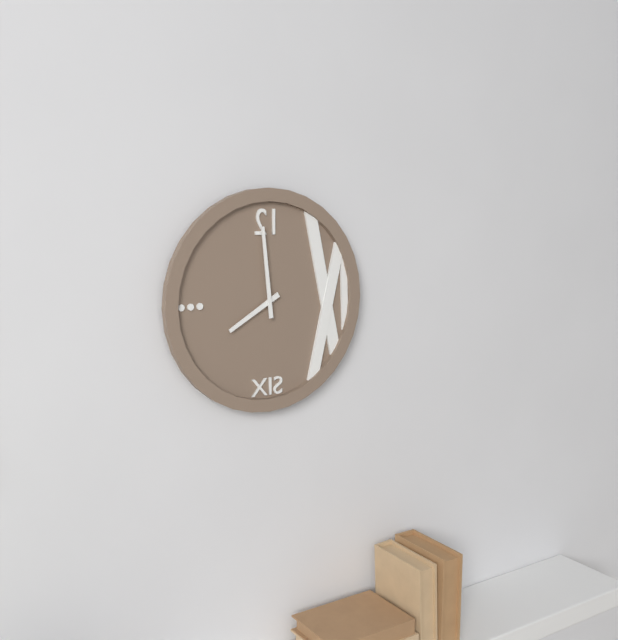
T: 7:59
